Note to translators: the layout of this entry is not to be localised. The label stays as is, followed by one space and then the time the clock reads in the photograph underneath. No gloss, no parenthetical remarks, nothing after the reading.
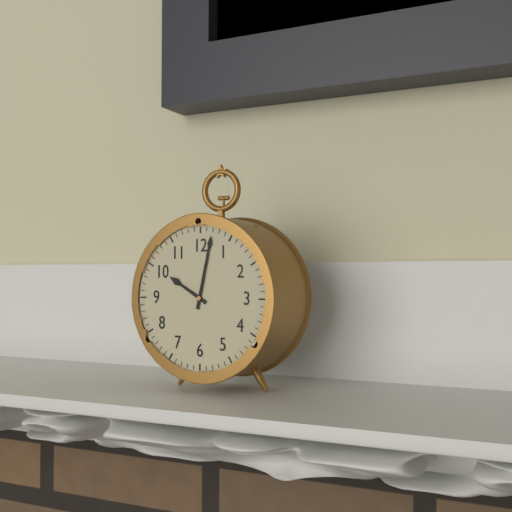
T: 10:02
